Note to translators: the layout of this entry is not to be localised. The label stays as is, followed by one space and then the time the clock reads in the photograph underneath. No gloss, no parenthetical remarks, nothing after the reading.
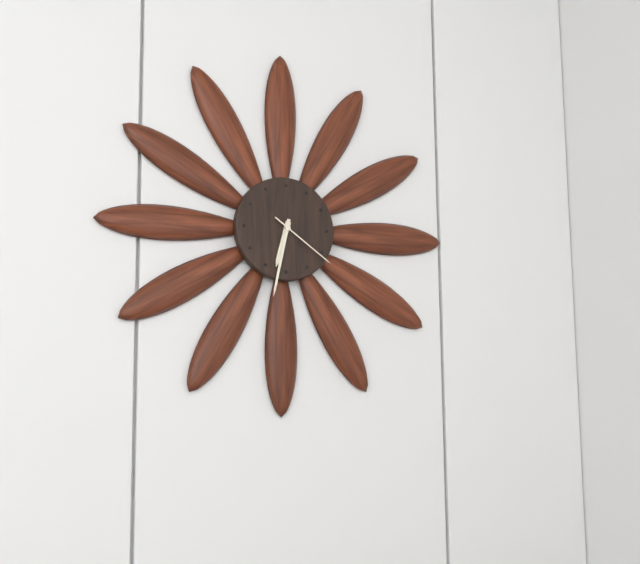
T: 6:32:21
